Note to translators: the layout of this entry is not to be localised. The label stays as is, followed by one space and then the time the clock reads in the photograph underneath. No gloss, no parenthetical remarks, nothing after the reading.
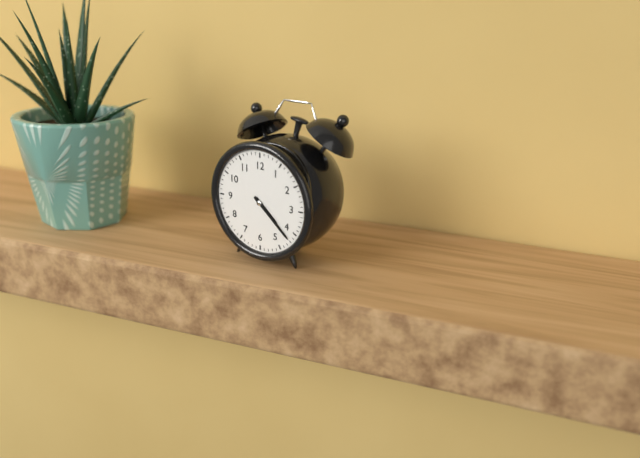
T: 4:22
